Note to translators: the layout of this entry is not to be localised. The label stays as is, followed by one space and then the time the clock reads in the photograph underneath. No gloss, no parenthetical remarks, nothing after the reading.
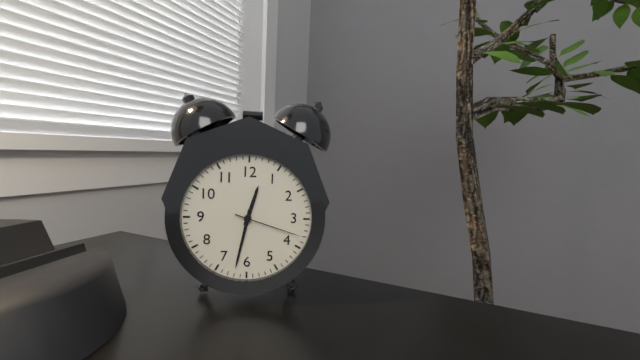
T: 12:32:18
